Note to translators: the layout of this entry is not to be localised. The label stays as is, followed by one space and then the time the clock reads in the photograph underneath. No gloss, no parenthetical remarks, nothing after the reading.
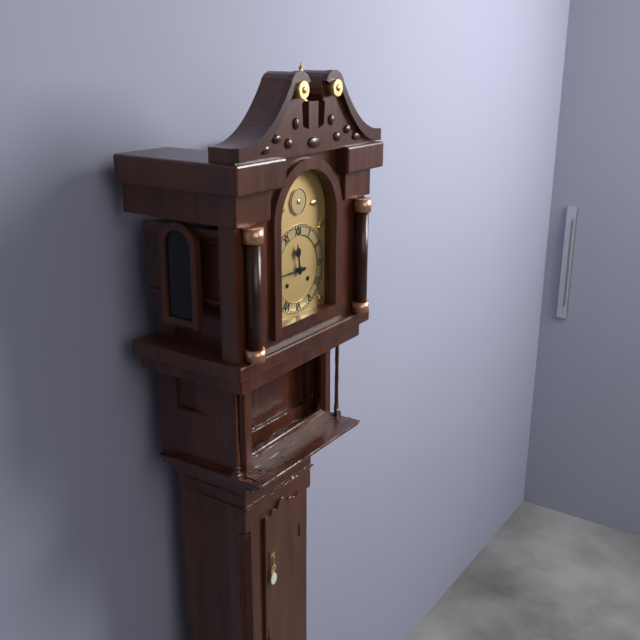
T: 11:45
